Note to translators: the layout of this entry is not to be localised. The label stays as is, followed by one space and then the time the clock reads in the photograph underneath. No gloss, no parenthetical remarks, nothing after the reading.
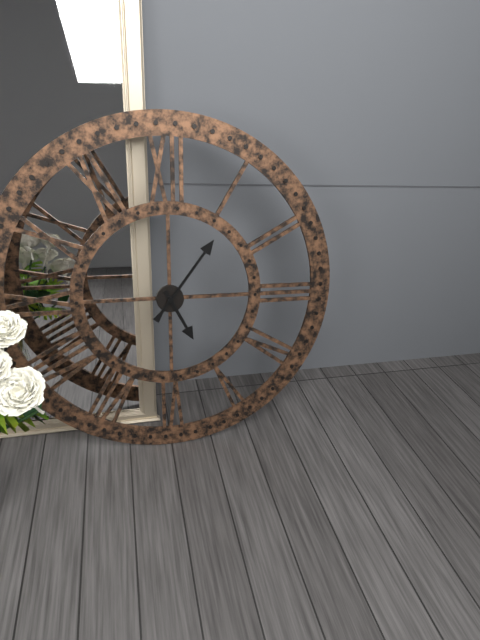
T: 5:06
